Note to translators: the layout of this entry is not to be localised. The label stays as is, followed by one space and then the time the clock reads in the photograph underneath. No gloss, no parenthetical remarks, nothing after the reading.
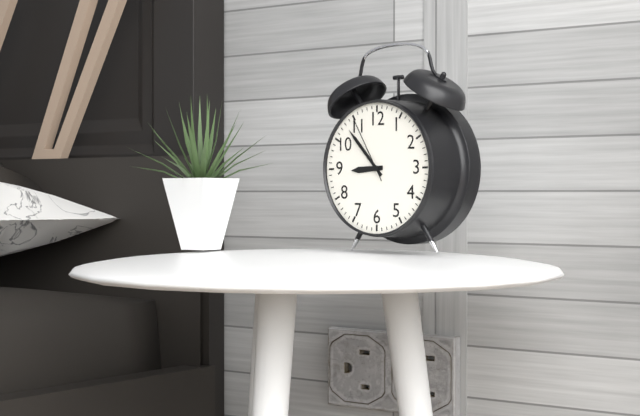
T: 8:53:55
